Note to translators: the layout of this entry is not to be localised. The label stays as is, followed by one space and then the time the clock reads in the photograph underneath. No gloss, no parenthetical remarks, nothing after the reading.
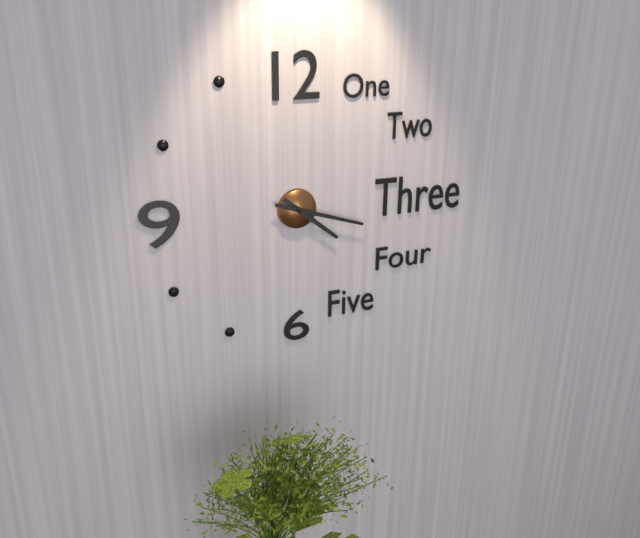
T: 4:18
